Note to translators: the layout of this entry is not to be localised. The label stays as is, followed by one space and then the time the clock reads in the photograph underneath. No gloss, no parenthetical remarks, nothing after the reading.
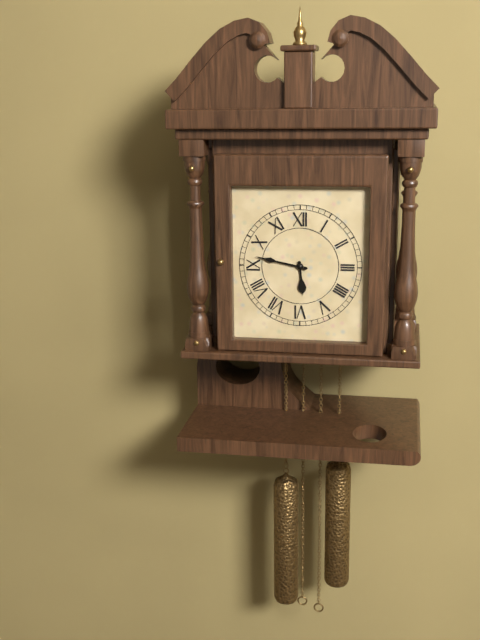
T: 5:47
